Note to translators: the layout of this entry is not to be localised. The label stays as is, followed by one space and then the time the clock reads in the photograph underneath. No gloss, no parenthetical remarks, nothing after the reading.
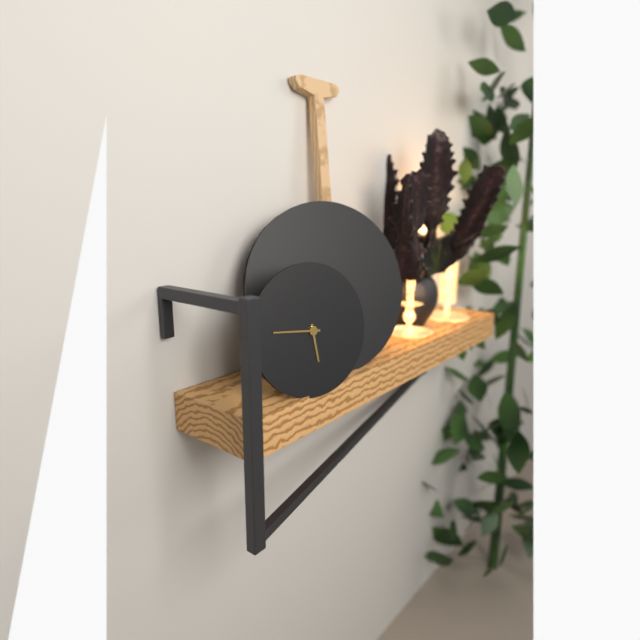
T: 5:46
